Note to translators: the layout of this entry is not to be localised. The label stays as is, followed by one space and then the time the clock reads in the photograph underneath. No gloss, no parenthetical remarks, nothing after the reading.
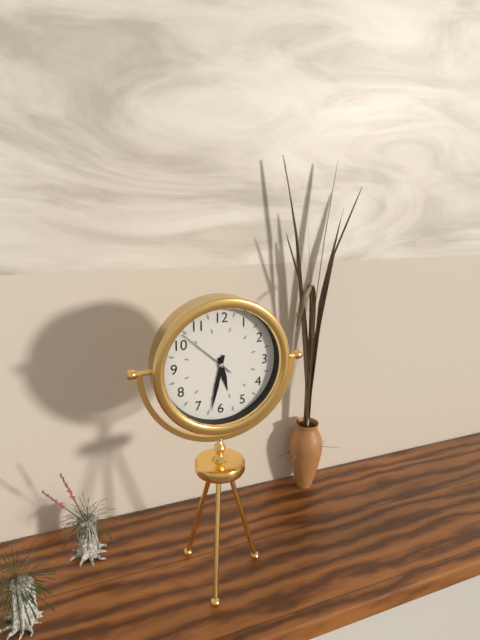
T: 5:32:52
